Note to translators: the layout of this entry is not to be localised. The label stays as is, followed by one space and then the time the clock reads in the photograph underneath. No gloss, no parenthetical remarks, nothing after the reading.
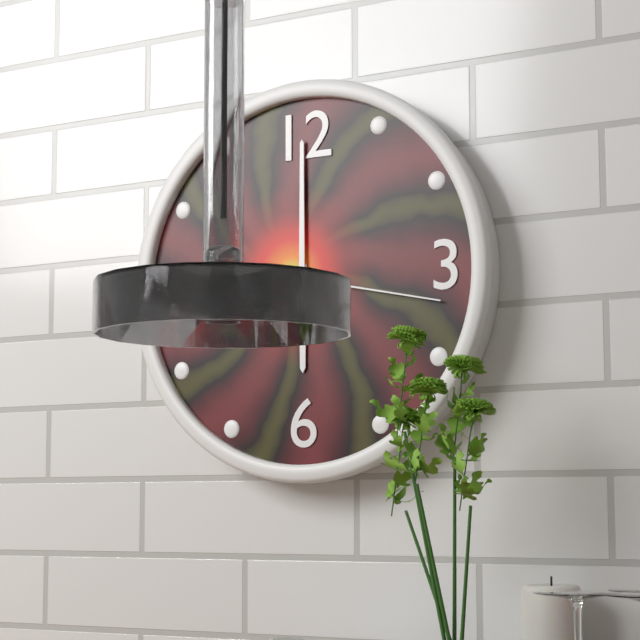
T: 6:00:17
